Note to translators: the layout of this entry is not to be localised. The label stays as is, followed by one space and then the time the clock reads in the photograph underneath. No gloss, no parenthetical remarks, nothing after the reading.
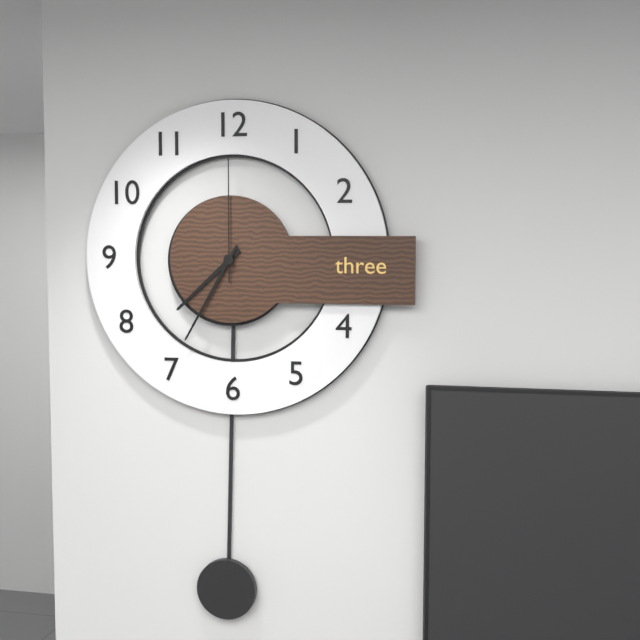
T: 7:35:00
